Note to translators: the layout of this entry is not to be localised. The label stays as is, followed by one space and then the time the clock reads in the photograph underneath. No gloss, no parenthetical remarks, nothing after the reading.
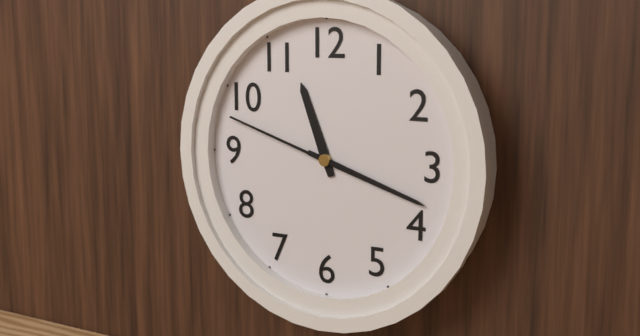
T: 11:18:48
